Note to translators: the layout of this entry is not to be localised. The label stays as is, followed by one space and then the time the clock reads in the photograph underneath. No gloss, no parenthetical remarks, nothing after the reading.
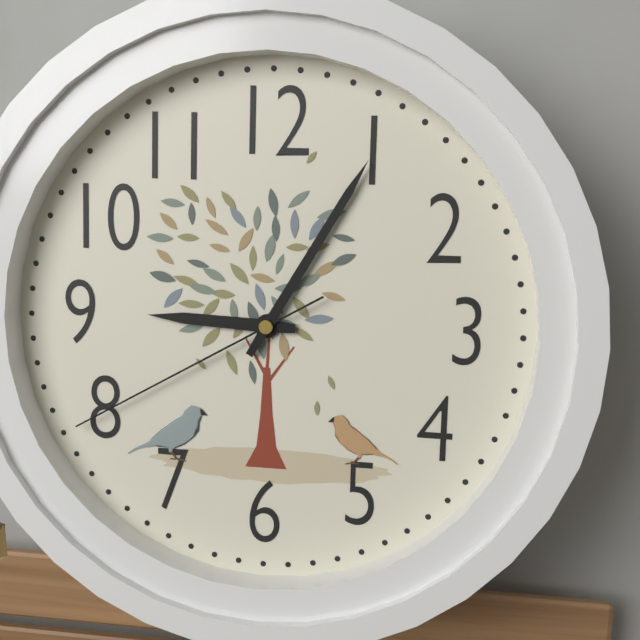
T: 9:05:40
